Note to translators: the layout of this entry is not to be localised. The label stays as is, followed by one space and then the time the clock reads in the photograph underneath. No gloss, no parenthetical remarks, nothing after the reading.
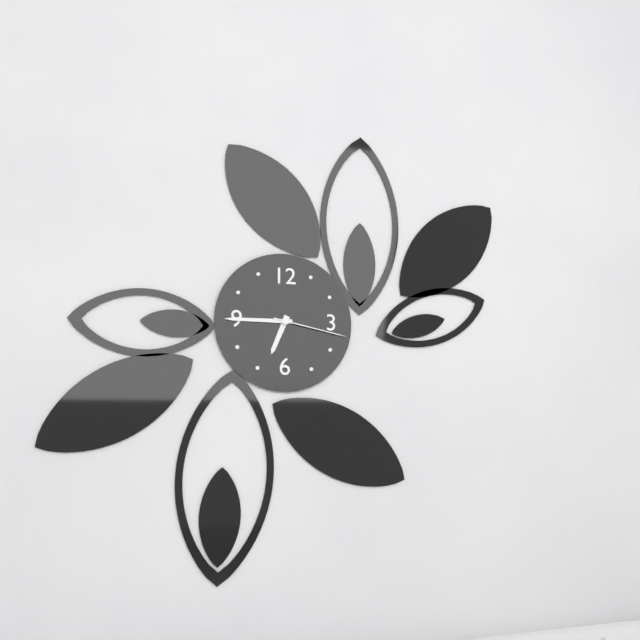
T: 6:45:17
